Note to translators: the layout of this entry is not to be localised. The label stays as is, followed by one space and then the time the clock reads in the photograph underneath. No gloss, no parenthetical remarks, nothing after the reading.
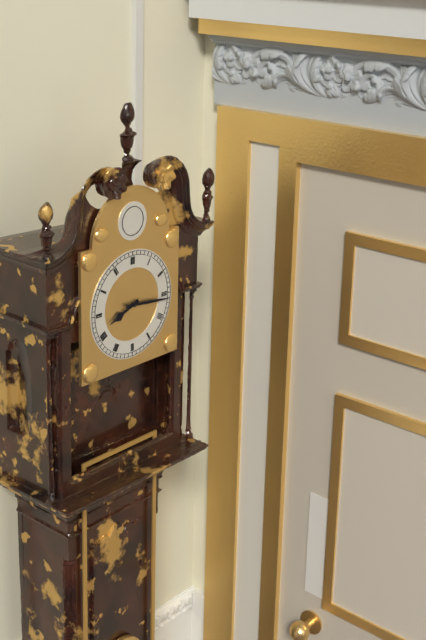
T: 8:16
